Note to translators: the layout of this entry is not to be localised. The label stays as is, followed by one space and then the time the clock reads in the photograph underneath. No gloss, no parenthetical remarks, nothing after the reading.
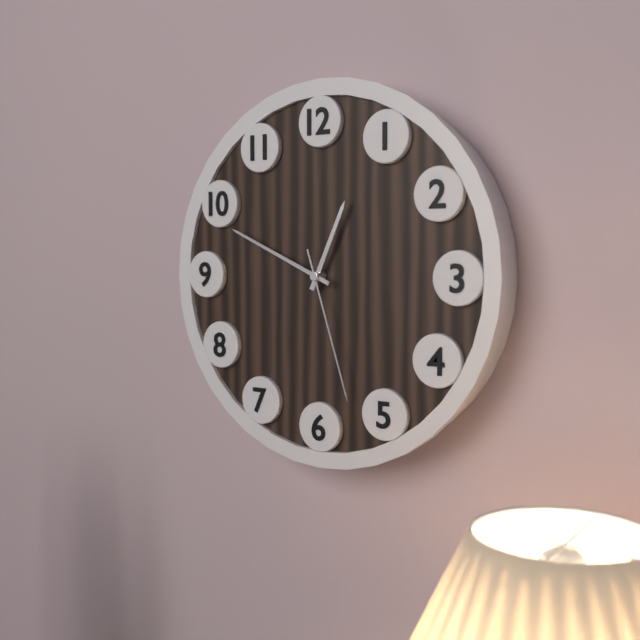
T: 12:49:27
